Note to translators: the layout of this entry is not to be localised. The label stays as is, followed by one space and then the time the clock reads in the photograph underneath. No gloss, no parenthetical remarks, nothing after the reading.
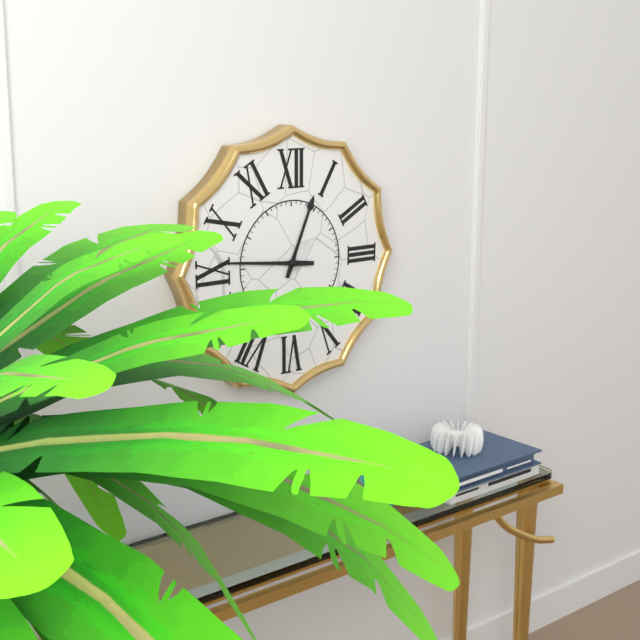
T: 12:46
